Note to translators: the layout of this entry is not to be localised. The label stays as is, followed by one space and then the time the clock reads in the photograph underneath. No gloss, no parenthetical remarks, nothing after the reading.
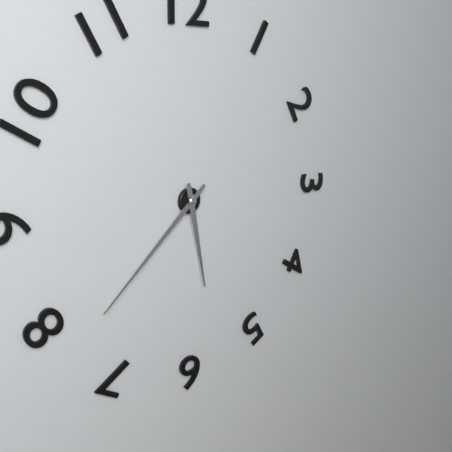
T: 5:38
